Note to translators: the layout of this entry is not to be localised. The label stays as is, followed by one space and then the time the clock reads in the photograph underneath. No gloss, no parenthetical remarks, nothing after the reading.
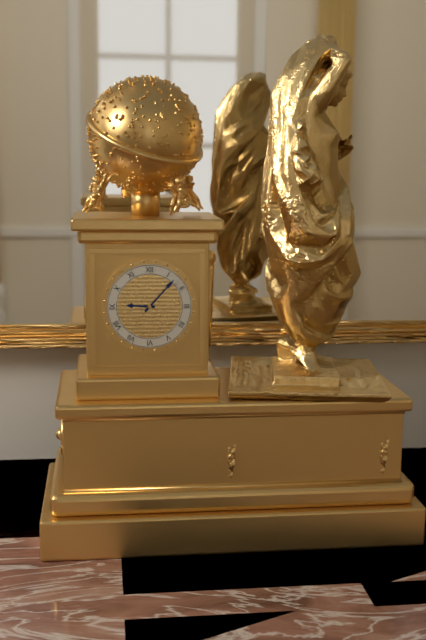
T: 9:07
